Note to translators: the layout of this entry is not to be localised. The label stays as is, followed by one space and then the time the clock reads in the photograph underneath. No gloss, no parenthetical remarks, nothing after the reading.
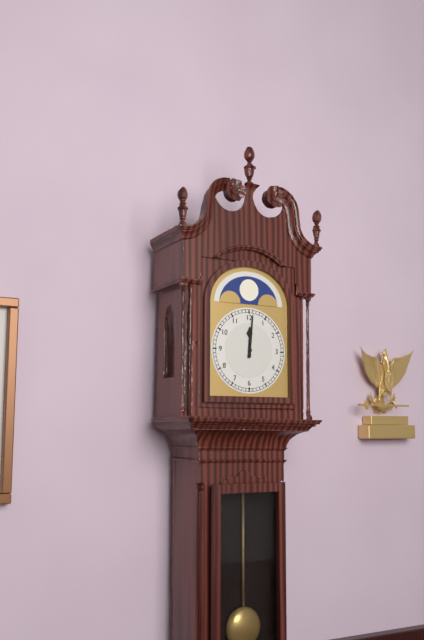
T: 12:01
